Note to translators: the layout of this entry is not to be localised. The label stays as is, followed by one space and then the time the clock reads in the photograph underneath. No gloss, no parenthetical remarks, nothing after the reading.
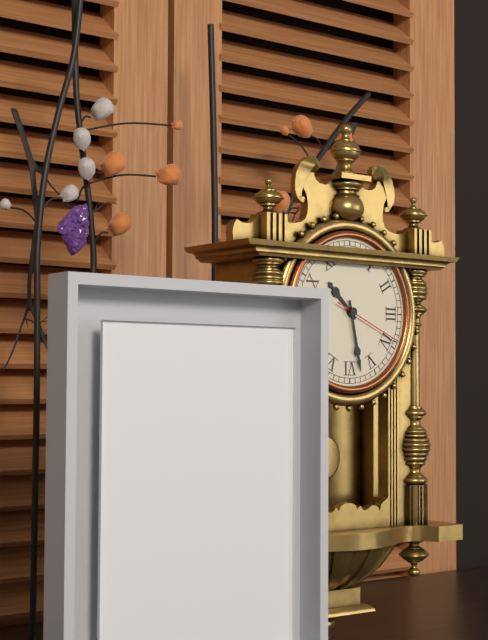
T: 10:28:19
